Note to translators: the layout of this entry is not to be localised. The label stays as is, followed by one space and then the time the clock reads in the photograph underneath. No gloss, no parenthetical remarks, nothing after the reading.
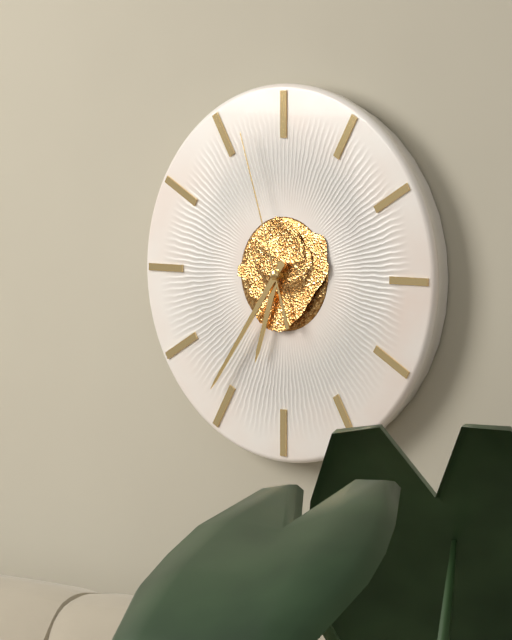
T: 6:36:57
